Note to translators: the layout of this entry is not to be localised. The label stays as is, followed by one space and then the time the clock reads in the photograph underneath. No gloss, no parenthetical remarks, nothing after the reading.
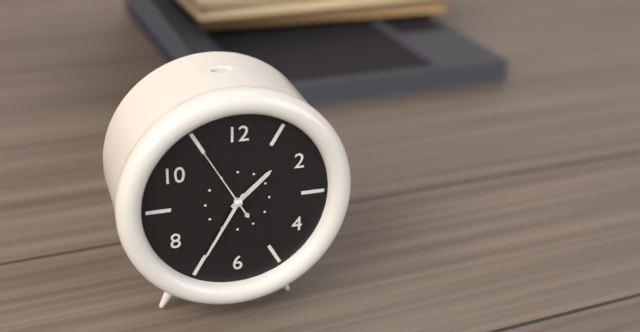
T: 1:35:55
